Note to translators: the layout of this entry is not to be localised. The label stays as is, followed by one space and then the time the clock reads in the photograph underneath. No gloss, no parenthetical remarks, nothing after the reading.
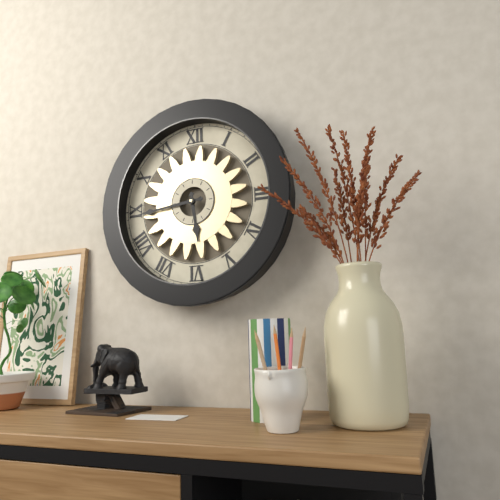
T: 5:44
